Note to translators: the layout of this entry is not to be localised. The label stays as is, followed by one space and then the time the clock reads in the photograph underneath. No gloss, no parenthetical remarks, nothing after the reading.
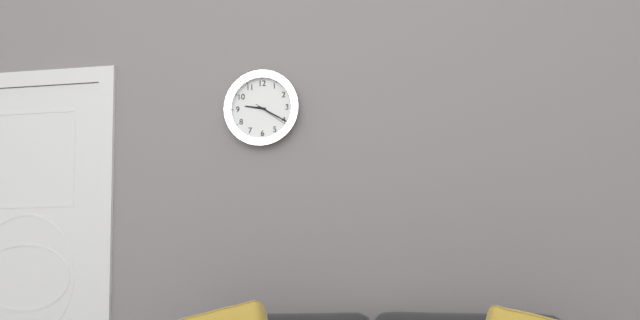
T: 9:20
